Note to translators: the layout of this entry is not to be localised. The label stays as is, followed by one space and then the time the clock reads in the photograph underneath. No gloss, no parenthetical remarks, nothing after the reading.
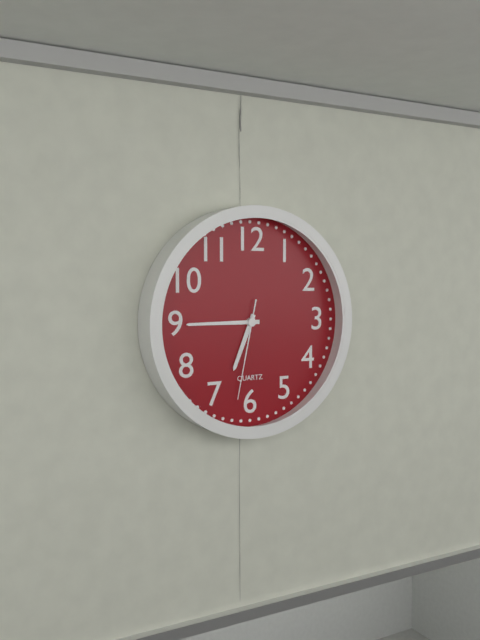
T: 6:45:32
